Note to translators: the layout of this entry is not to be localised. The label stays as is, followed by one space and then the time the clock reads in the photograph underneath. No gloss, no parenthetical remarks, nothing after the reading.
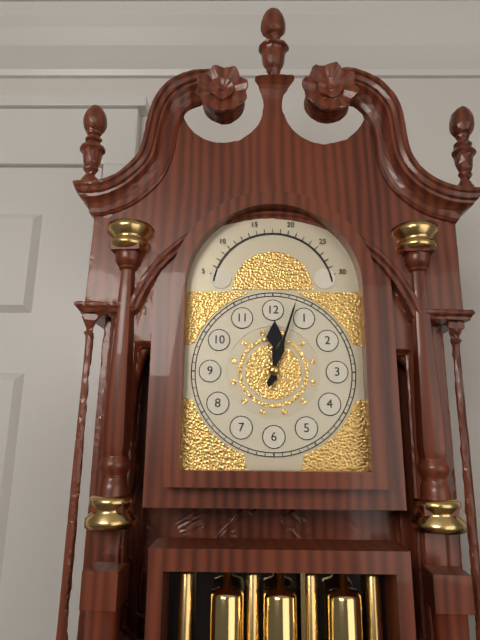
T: 12:03
